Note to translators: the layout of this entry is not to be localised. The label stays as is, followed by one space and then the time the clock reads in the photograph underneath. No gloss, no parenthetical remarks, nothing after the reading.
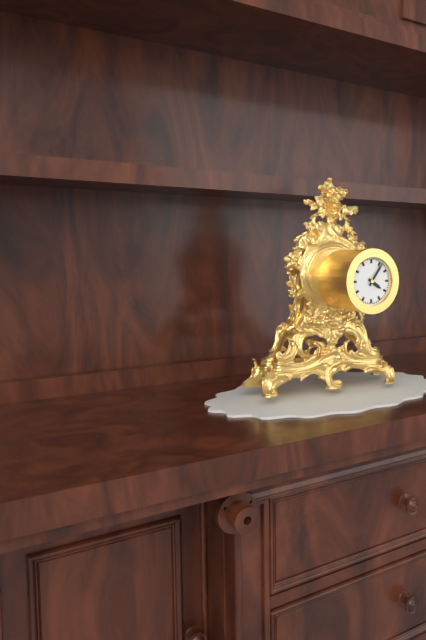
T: 4:06
